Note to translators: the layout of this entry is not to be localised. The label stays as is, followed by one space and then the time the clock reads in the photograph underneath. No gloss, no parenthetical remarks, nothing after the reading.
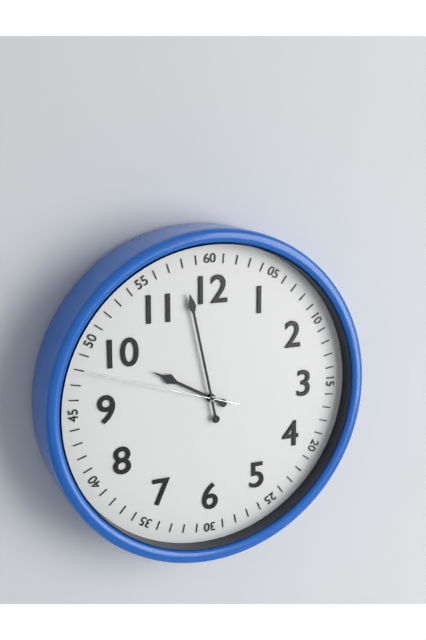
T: 9:58:48
